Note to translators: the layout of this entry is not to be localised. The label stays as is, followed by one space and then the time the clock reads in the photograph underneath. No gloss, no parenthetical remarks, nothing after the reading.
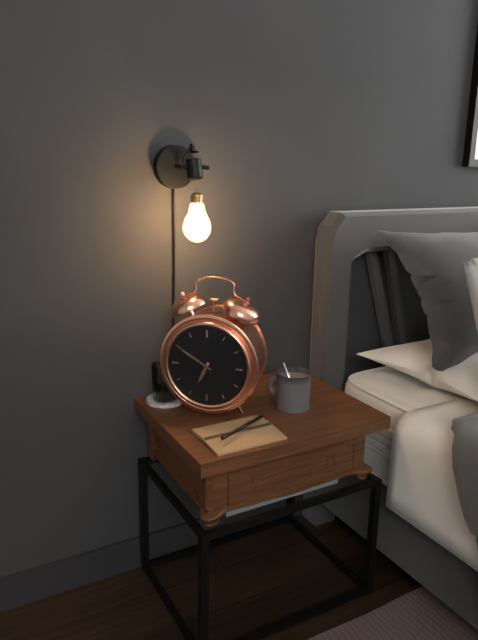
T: 6:50
